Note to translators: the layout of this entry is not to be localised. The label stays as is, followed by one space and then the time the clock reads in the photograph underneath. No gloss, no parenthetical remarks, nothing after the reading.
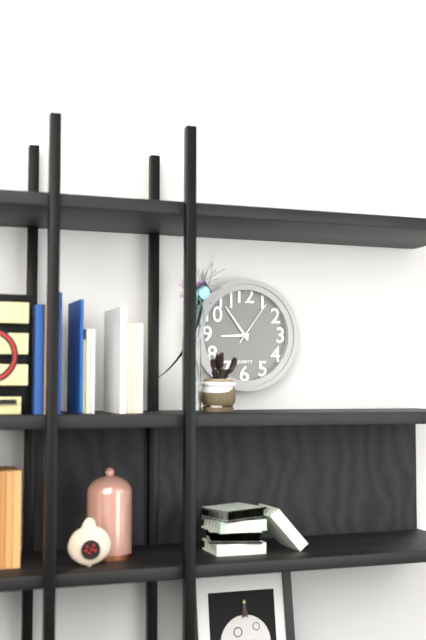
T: 8:54
